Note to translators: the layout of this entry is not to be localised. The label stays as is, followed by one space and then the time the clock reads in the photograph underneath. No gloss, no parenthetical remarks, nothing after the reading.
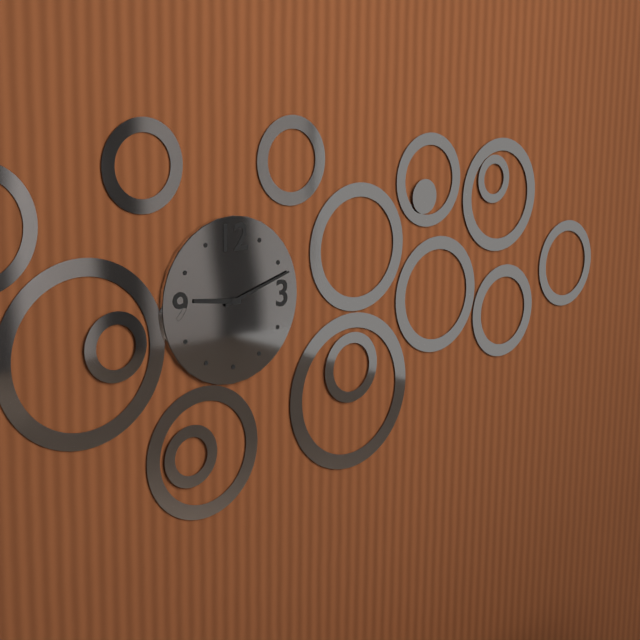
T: 9:12
